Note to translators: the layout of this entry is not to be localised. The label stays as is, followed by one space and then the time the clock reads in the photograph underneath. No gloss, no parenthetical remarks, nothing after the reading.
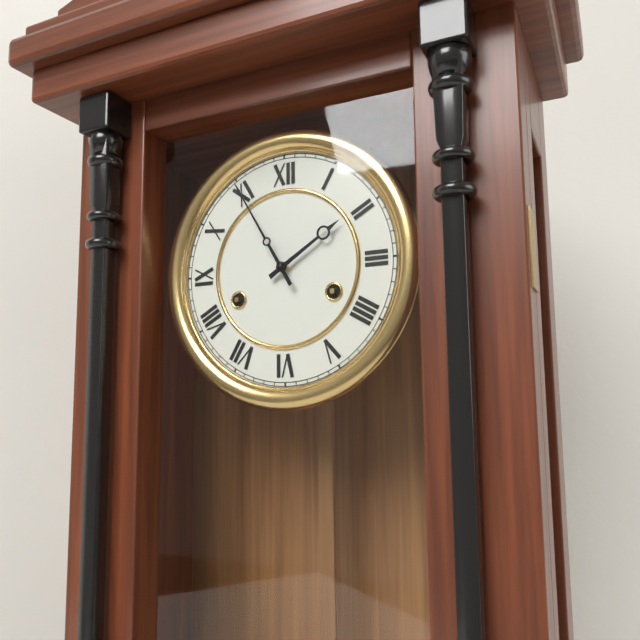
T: 1:55
